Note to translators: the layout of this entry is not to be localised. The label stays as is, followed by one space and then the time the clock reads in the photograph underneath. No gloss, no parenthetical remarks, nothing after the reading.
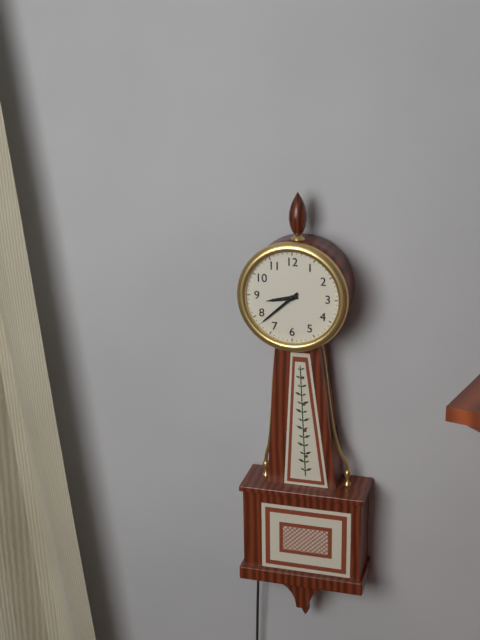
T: 8:38
